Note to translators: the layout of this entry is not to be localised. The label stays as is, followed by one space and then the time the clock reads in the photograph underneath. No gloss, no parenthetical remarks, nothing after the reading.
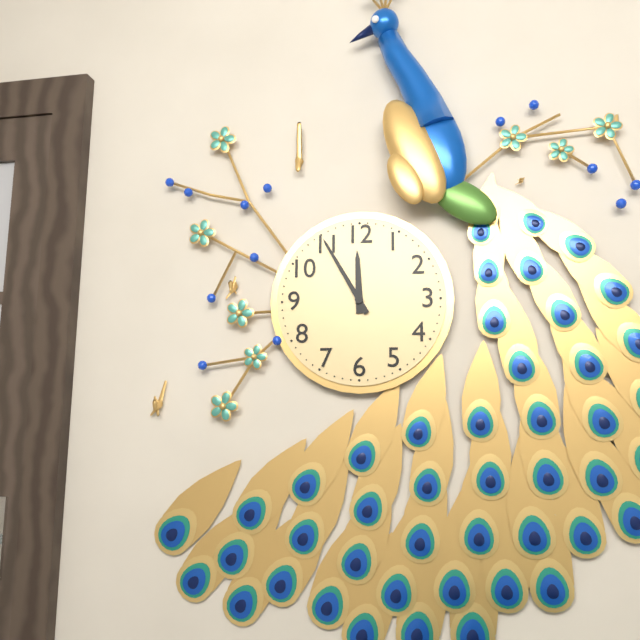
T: 11:55
